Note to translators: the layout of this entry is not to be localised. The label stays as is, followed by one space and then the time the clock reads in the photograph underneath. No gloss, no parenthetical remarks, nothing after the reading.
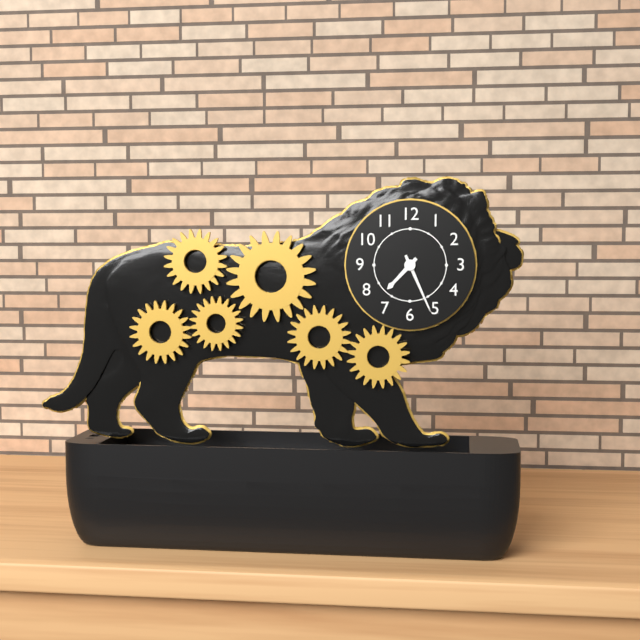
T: 7:26
